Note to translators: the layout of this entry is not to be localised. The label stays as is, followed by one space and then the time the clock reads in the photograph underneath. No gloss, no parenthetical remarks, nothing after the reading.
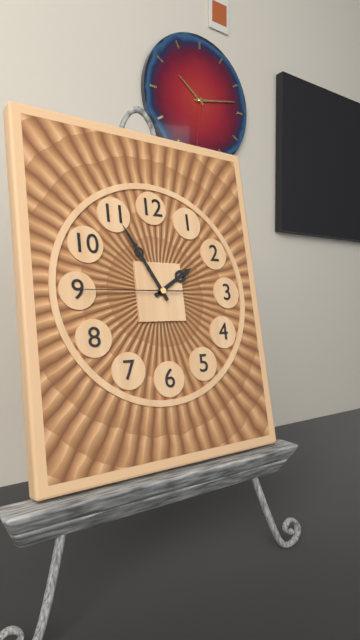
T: 1:55:45
